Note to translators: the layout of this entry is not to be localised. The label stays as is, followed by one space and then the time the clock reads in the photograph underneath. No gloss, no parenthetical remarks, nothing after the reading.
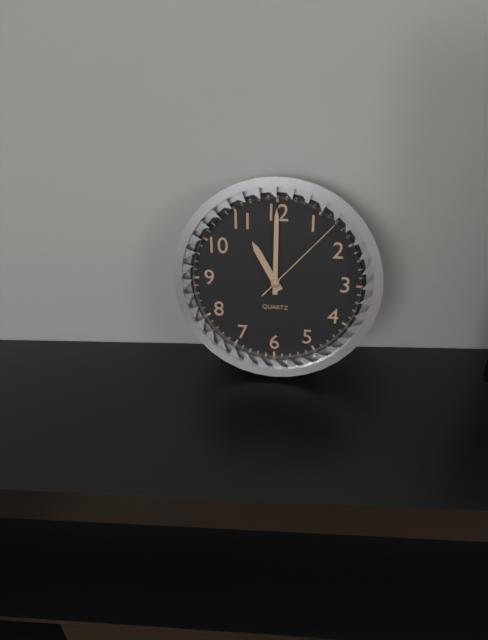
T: 11:00:07
